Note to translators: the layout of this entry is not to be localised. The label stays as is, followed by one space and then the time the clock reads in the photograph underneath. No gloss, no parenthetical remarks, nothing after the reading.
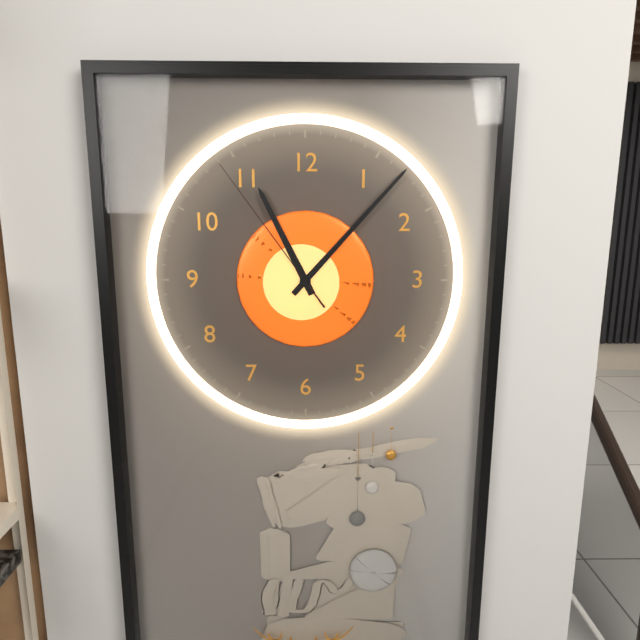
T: 11:07:54
